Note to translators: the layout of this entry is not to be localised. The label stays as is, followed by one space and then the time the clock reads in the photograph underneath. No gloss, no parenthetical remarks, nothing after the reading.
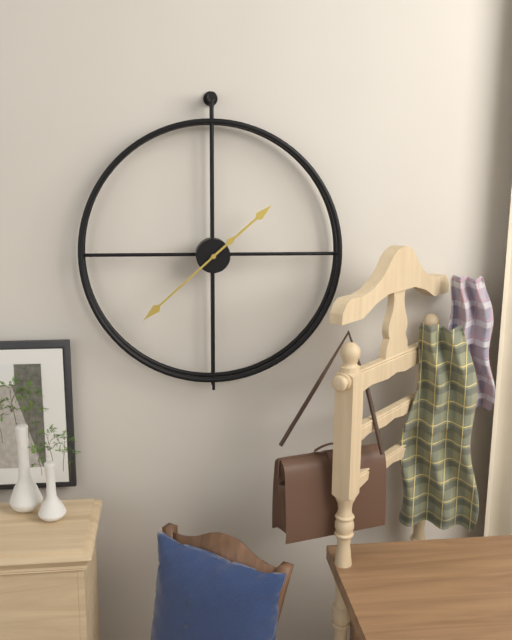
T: 1:38
